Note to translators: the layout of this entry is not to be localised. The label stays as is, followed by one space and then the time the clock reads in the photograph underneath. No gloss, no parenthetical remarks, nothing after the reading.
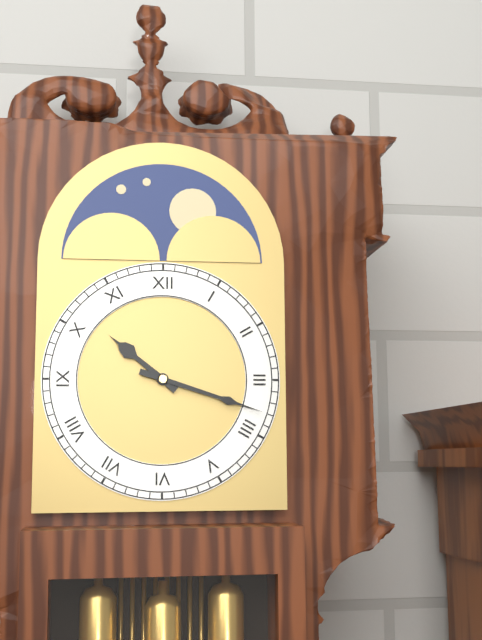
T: 10:18
